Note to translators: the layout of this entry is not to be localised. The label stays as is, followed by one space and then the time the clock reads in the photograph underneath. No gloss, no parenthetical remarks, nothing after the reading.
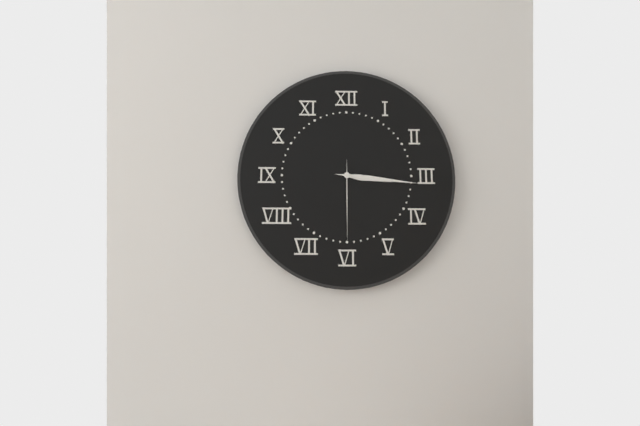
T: 3:16:30
